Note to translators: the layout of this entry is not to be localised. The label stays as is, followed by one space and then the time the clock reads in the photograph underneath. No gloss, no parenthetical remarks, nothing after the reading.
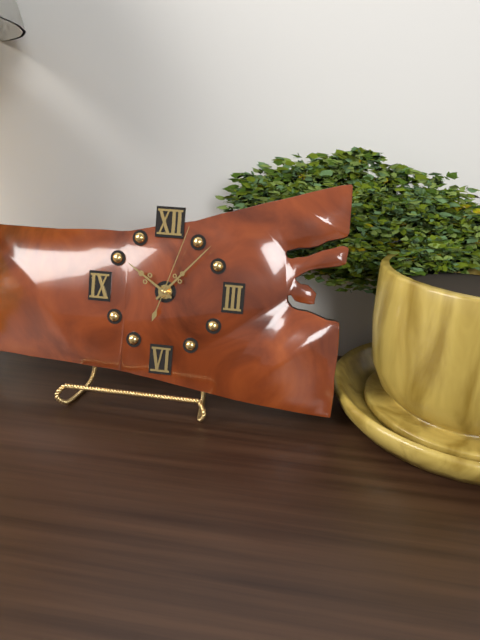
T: 10:07:03
